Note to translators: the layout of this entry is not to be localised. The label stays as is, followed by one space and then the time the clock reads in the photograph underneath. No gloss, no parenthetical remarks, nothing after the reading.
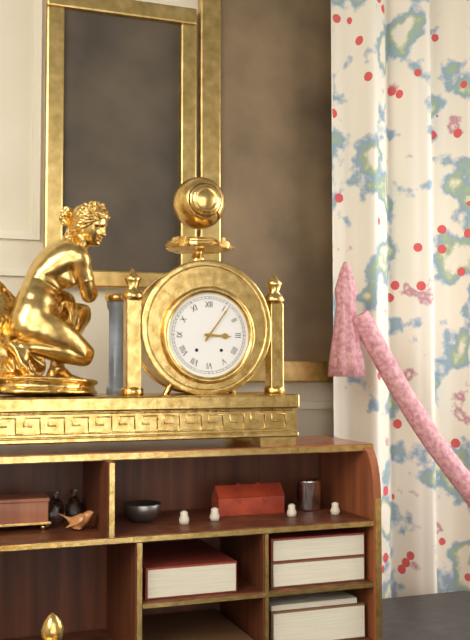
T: 3:06
